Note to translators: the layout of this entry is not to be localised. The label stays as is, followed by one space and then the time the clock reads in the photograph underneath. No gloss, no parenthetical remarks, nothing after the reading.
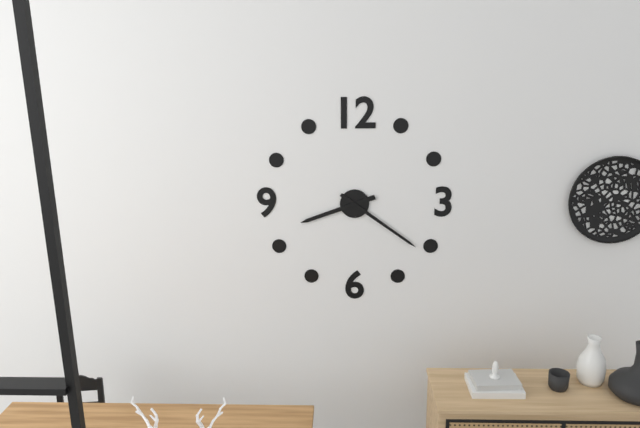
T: 8:21
